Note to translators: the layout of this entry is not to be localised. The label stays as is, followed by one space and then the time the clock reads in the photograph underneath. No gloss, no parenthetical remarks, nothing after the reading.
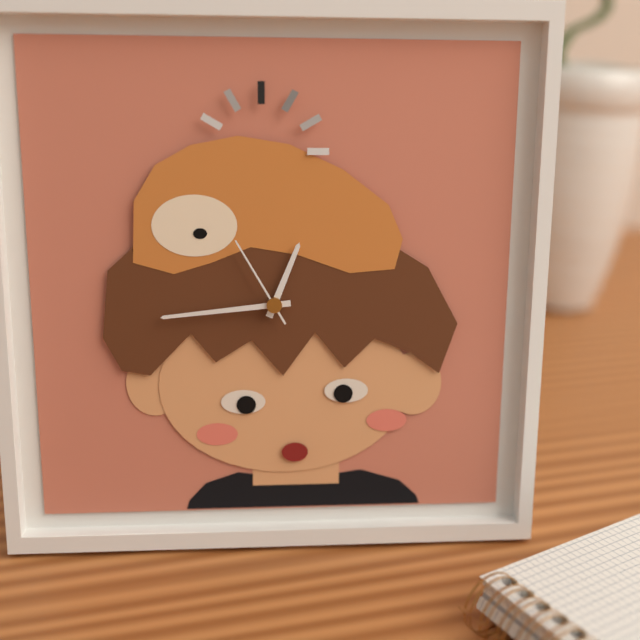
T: 12:44:55
